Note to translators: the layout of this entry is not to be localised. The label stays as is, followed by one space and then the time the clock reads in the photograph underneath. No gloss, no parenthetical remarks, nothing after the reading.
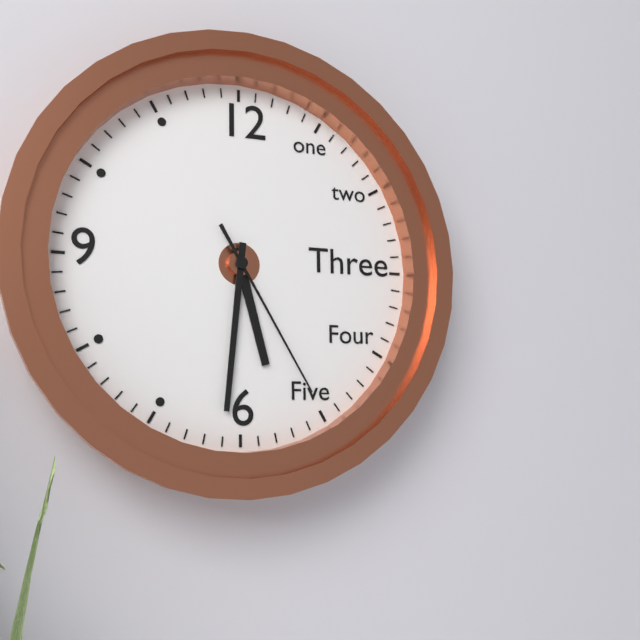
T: 5:31:25
